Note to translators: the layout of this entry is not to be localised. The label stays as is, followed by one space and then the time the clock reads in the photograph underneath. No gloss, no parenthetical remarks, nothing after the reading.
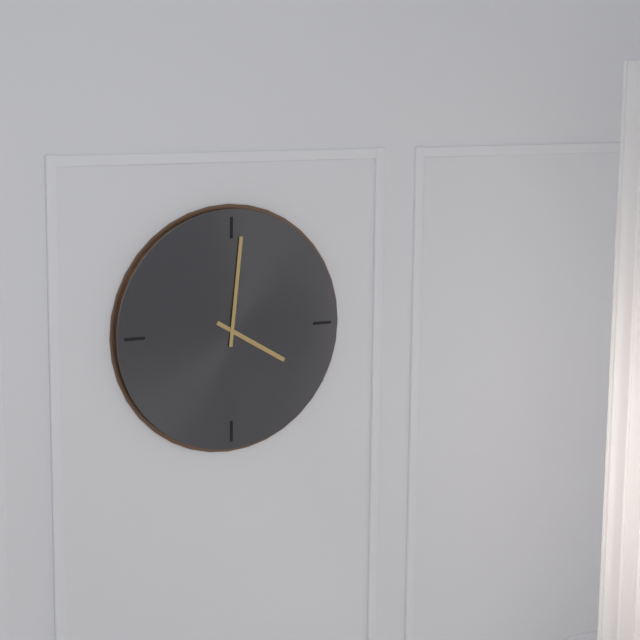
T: 4:01
